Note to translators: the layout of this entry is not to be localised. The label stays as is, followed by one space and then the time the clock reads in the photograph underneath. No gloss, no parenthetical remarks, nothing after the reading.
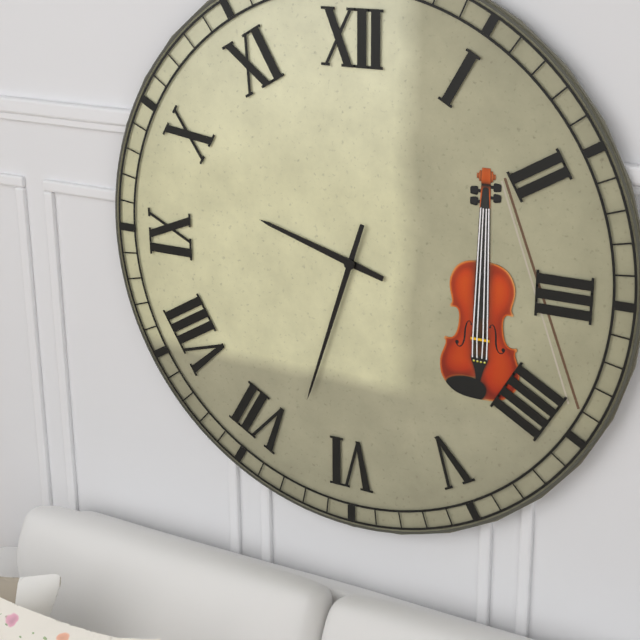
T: 9:33
